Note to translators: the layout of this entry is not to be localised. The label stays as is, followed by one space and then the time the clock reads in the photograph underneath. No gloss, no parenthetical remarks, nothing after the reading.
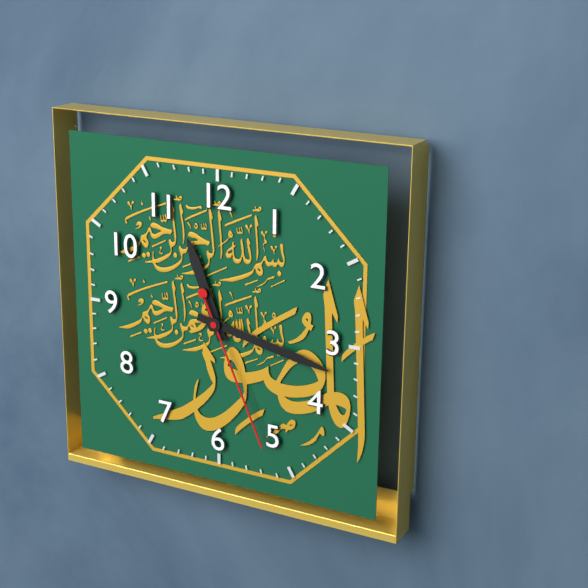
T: 11:17:26
